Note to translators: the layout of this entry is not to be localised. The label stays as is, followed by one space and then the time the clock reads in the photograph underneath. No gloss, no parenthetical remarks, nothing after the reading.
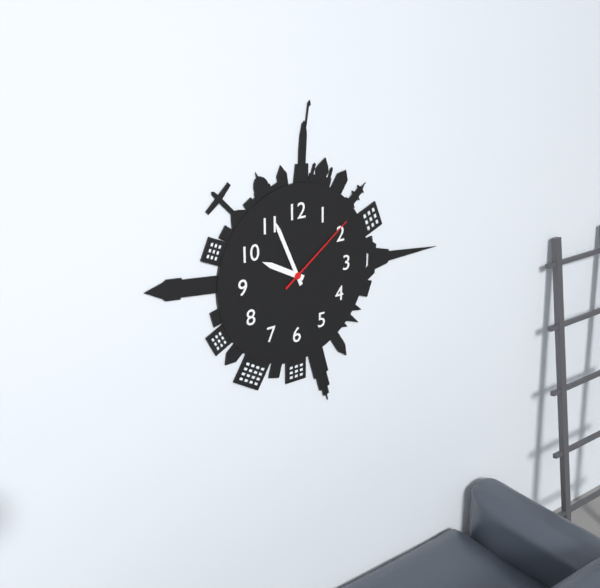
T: 9:56:09
